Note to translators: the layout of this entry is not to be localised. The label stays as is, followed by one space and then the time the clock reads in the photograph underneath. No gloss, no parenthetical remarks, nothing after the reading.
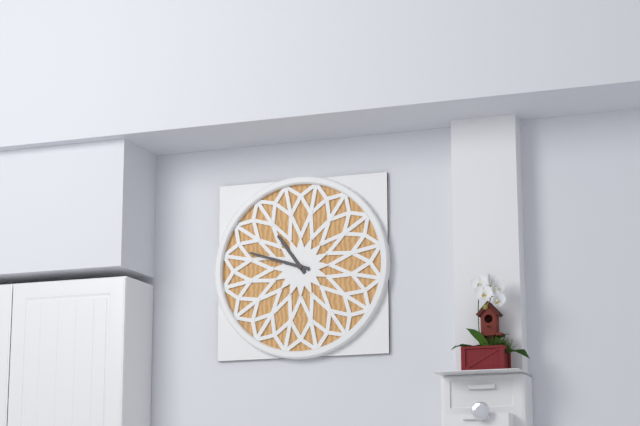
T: 10:48
